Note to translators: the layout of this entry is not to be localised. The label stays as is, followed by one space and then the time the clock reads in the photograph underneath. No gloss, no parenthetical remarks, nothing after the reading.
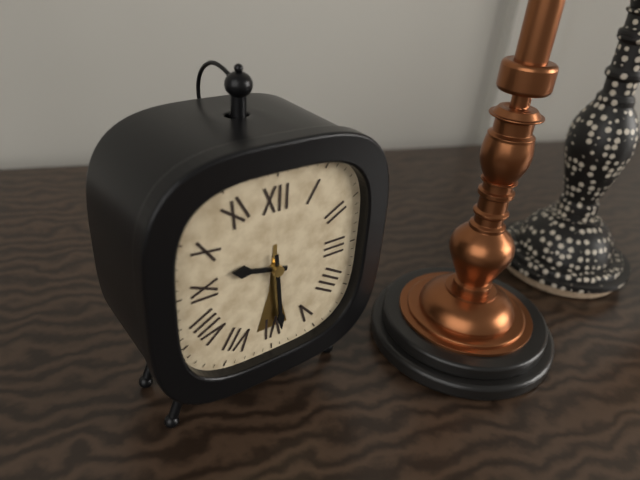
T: 9:29
